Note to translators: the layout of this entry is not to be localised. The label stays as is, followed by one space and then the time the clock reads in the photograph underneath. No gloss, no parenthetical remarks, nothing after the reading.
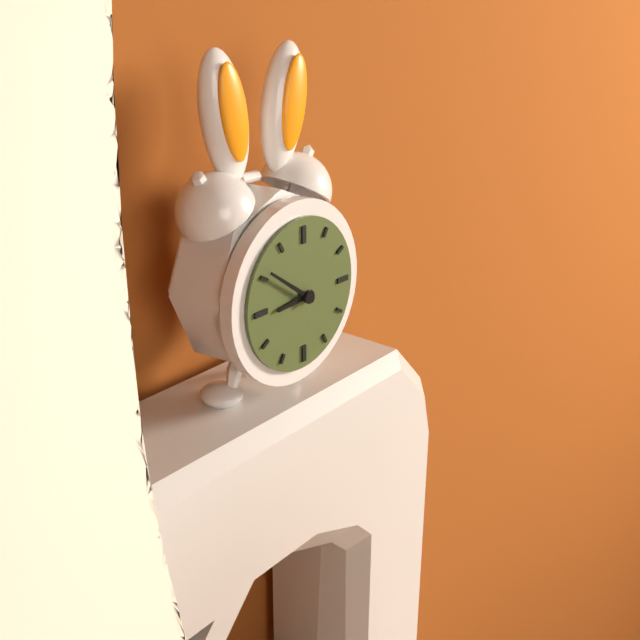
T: 8:51
